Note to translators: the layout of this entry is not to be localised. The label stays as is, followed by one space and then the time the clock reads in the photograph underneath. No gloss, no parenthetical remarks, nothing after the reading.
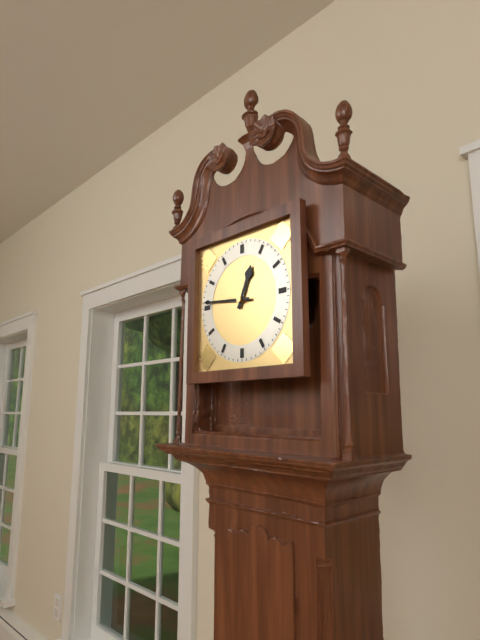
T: 12:46
